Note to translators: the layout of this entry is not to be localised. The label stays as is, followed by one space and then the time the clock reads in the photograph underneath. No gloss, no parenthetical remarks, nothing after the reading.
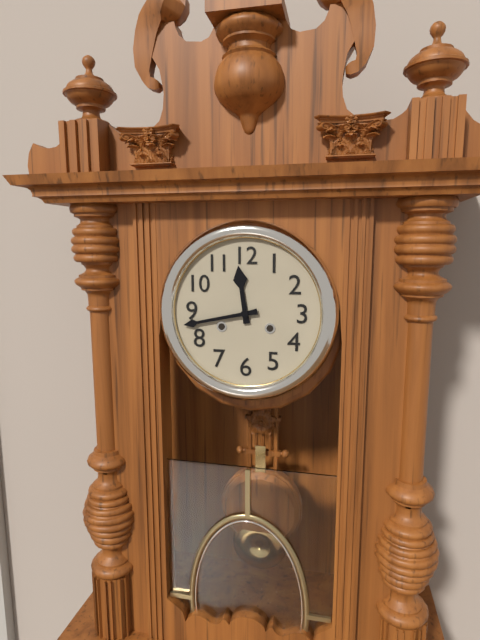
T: 11:43
